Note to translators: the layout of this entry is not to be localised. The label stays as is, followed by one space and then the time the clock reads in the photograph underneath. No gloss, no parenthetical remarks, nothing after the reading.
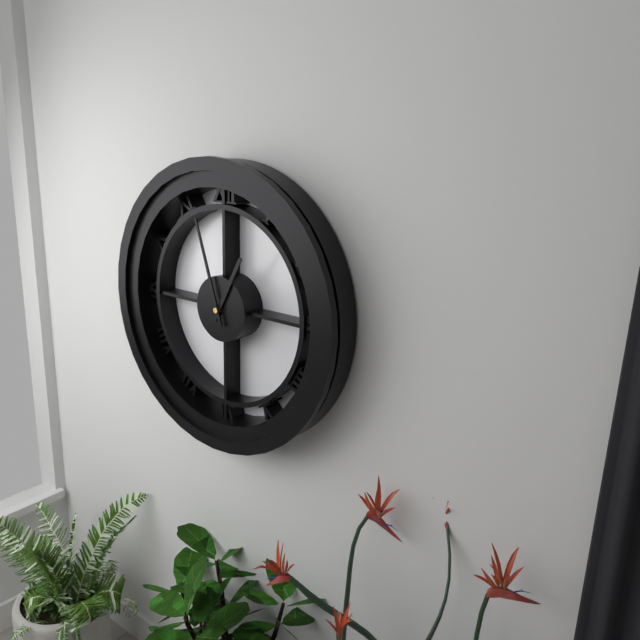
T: 12:57
